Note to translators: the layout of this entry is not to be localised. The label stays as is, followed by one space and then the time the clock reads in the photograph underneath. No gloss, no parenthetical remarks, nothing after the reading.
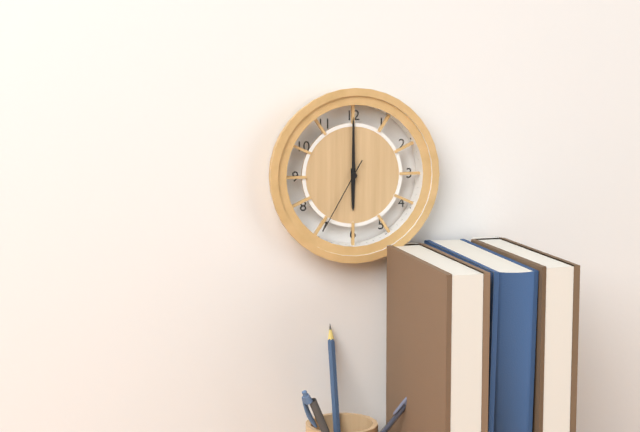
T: 6:00:35
